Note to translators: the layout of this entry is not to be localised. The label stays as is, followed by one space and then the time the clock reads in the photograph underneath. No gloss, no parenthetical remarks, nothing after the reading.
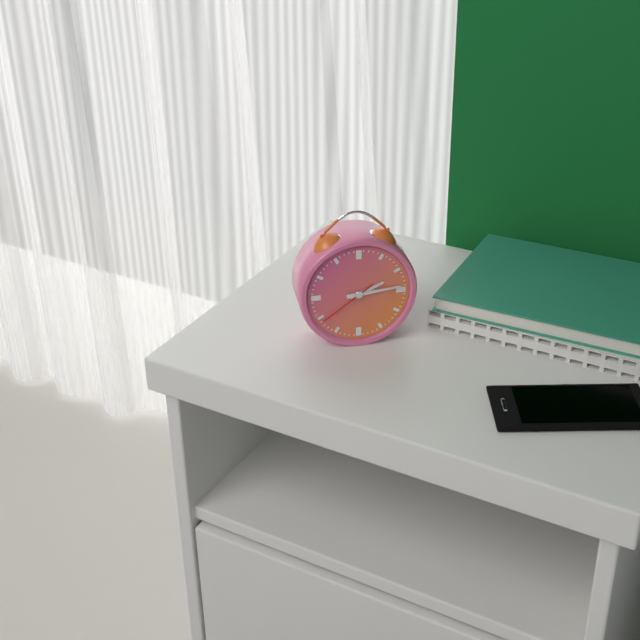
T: 2:14:39
